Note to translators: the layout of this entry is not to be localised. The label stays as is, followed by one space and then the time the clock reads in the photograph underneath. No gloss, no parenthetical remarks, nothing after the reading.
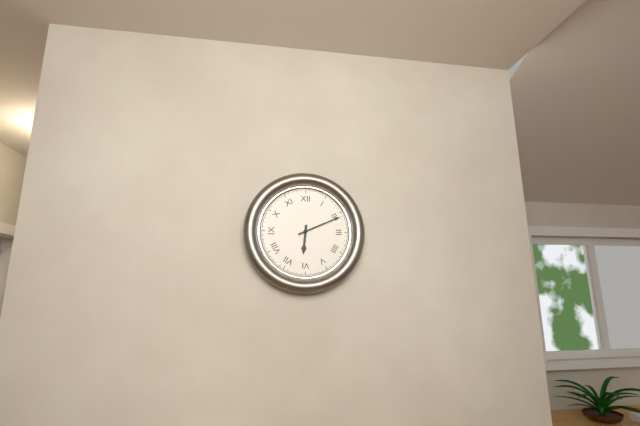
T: 6:11
